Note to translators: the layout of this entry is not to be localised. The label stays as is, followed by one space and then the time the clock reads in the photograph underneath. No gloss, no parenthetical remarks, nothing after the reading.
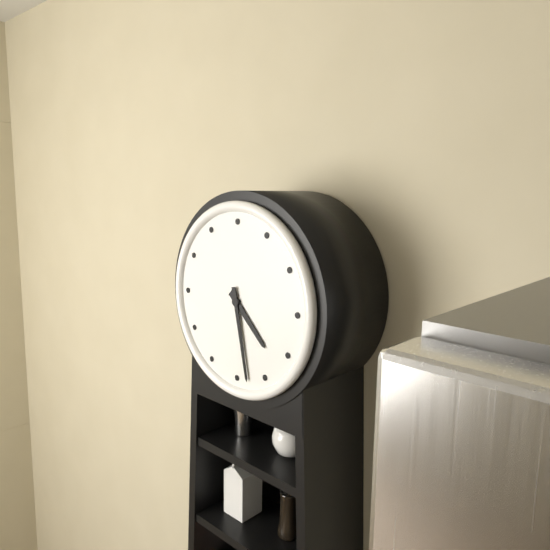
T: 4:28
